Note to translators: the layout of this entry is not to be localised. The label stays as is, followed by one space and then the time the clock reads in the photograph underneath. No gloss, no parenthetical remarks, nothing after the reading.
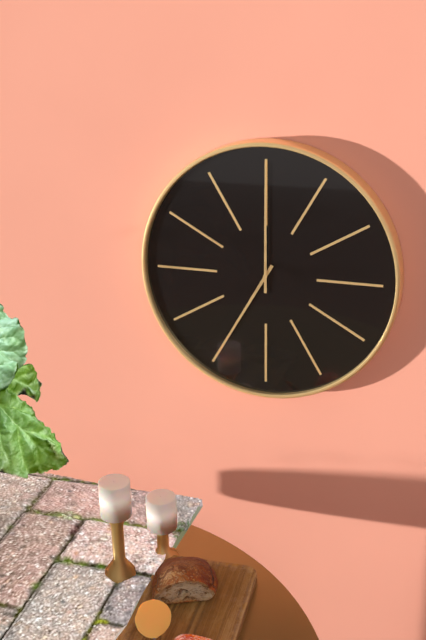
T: 7:00
